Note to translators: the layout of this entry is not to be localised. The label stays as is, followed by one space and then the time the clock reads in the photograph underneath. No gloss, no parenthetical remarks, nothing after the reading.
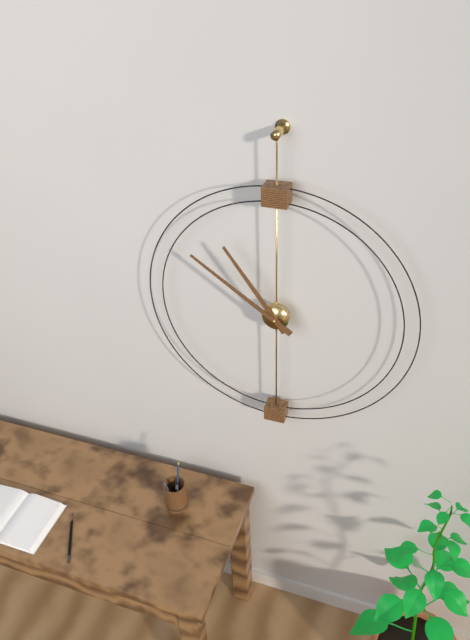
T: 10:51
